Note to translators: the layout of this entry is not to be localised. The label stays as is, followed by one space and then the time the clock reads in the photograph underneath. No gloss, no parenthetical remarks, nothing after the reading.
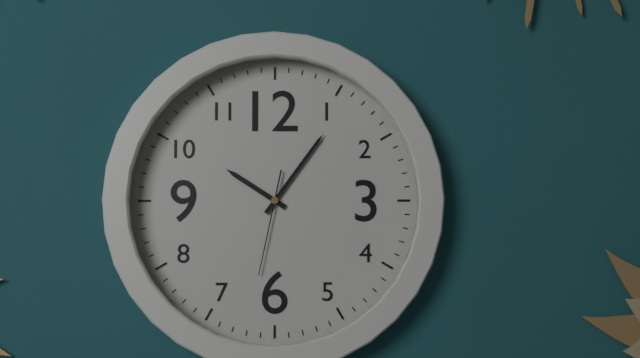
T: 10:06:32
